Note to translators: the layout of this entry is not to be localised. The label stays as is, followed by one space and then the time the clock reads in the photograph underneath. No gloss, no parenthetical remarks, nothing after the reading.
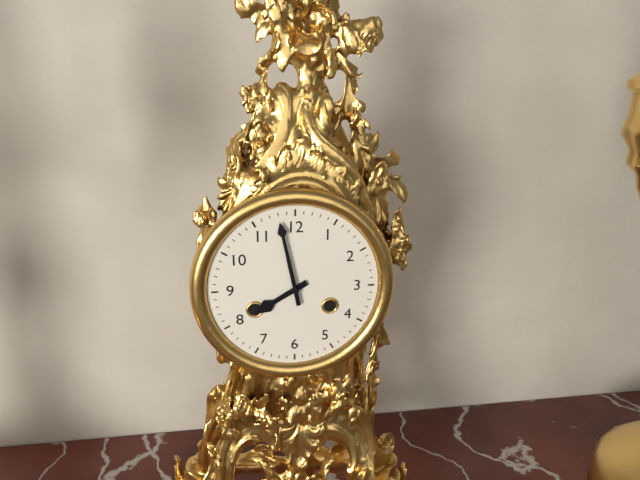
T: 7:58
